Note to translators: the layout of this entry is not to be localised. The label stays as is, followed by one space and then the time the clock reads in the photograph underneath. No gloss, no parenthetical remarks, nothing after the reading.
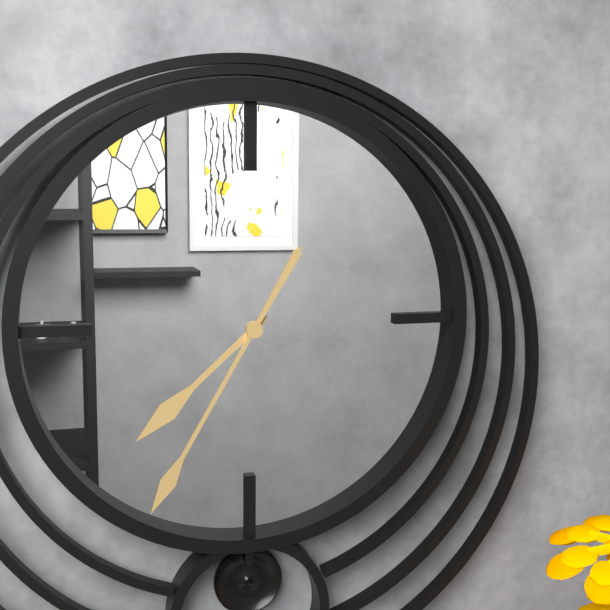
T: 7:35
